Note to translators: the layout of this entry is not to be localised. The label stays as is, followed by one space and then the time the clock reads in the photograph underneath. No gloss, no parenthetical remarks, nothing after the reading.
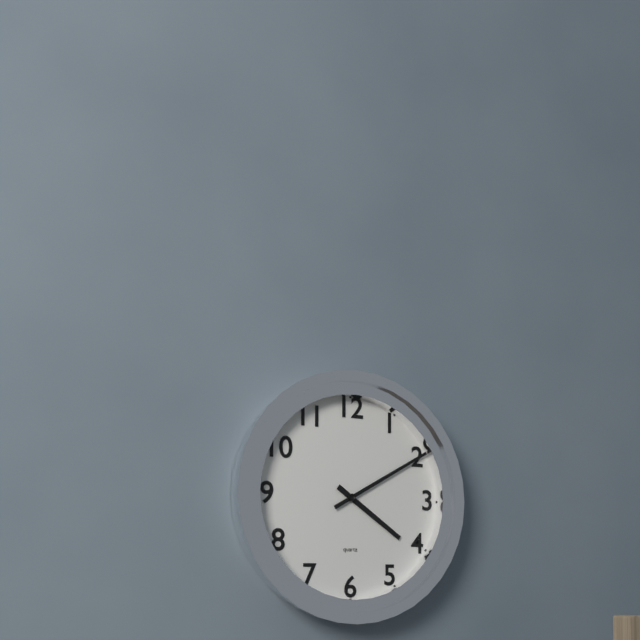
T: 4:10
